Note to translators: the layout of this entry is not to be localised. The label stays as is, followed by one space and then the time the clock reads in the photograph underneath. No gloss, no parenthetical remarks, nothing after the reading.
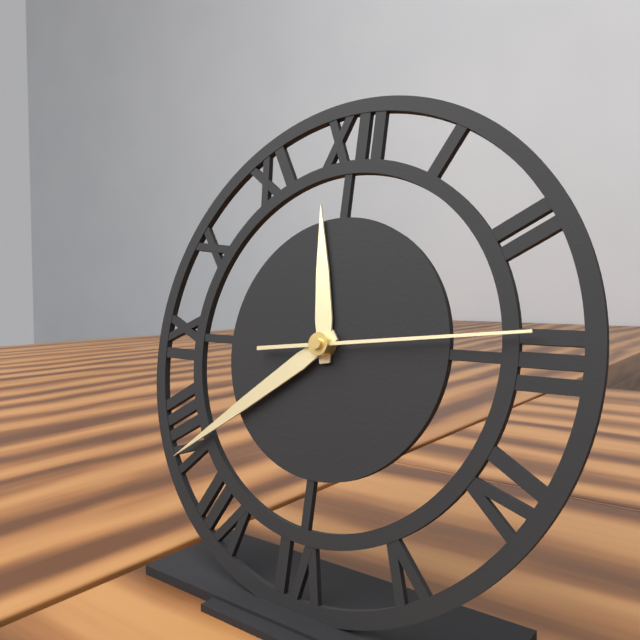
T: 11:39:14
